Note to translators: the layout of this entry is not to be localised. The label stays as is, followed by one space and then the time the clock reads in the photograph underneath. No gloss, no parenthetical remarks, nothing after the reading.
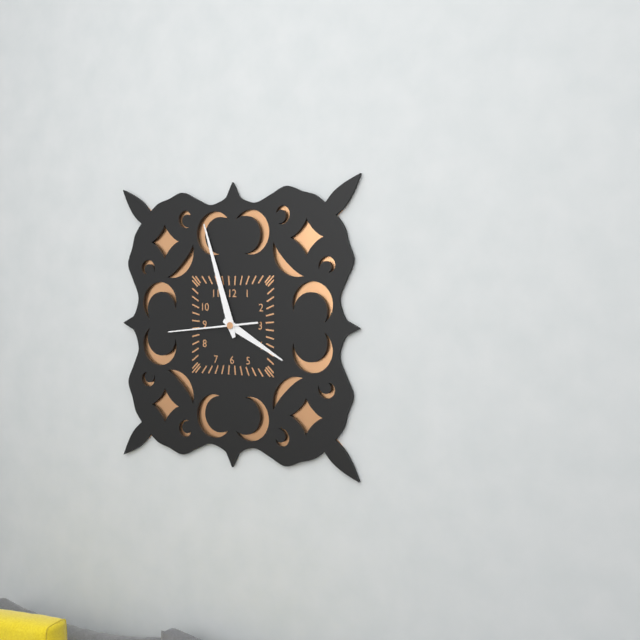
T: 3:57:44
